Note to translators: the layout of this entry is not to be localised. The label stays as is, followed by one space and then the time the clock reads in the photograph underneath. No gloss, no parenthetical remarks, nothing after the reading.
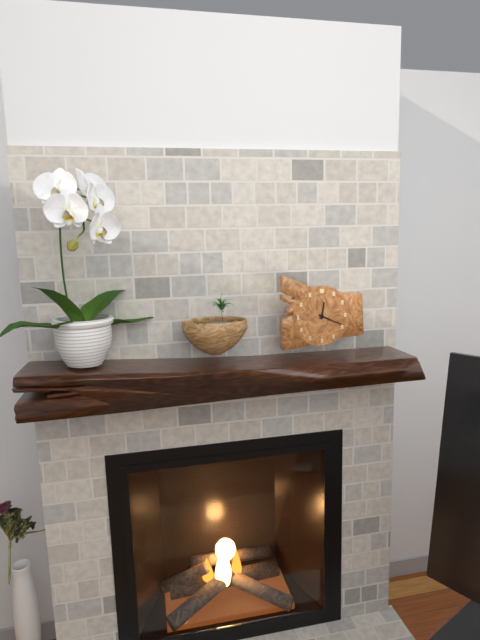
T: 12:19
